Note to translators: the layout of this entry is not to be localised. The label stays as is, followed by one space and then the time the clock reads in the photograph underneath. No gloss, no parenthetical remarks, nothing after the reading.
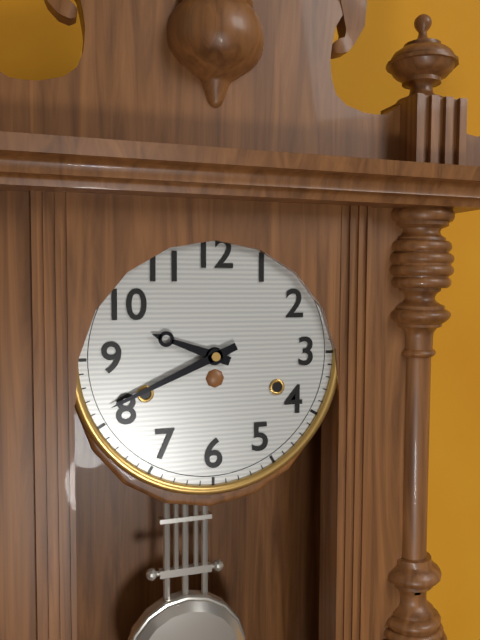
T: 9:41
